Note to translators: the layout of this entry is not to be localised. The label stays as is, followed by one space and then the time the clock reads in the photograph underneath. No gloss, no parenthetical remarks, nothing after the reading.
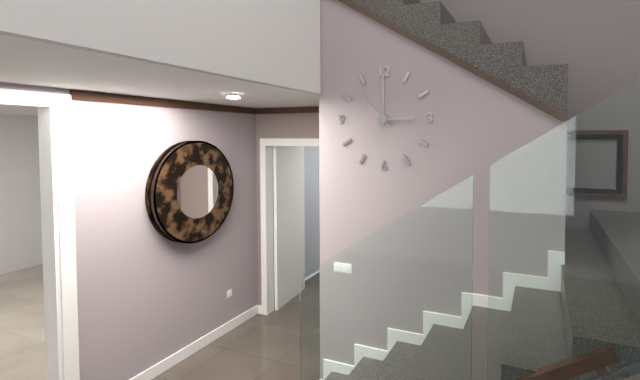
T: 3:00
